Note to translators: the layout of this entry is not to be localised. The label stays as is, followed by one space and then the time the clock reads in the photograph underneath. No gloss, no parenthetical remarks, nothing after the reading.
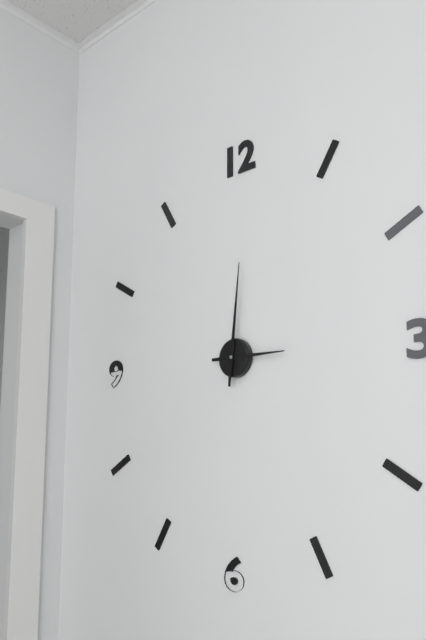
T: 3:01
